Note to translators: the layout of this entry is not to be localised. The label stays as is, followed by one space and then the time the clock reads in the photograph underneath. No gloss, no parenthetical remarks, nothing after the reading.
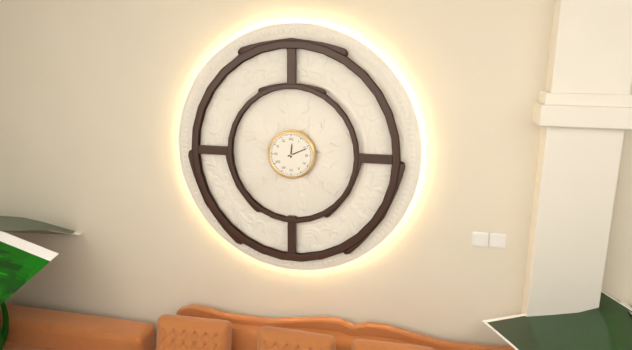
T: 12:11
